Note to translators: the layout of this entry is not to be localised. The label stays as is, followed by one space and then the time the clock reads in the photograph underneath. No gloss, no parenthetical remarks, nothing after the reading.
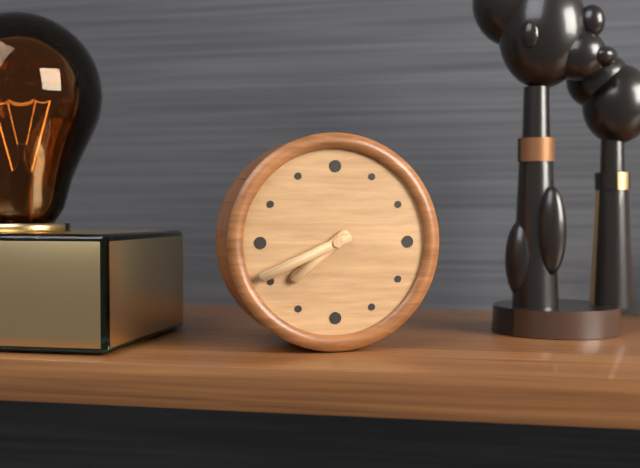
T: 7:41
